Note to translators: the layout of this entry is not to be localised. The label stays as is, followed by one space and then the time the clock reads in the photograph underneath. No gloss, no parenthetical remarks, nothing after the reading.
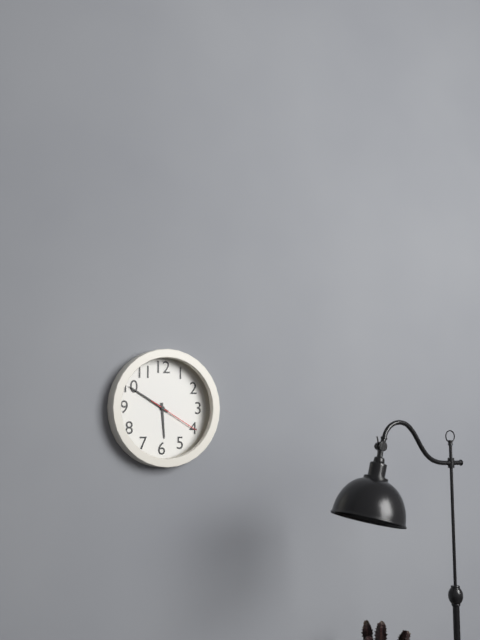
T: 5:50:20
